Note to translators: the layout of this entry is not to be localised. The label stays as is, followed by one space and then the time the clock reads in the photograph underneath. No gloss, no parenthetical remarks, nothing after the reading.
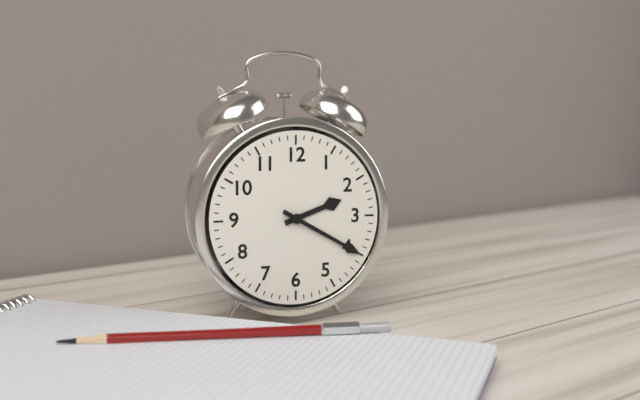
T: 2:20
